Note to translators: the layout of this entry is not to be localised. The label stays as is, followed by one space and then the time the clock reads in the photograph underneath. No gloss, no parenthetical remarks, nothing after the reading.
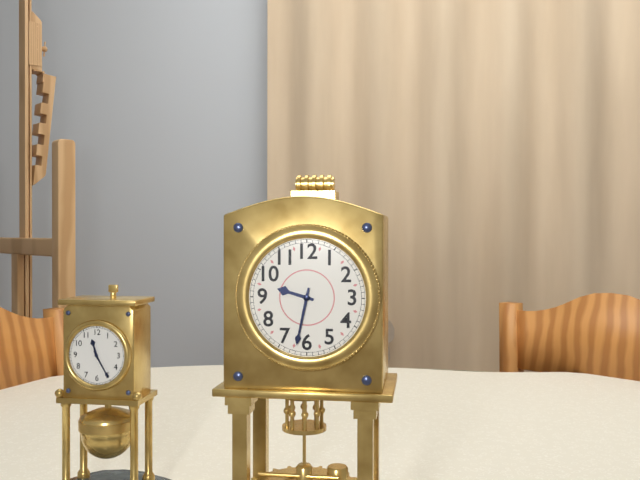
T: 9:32
